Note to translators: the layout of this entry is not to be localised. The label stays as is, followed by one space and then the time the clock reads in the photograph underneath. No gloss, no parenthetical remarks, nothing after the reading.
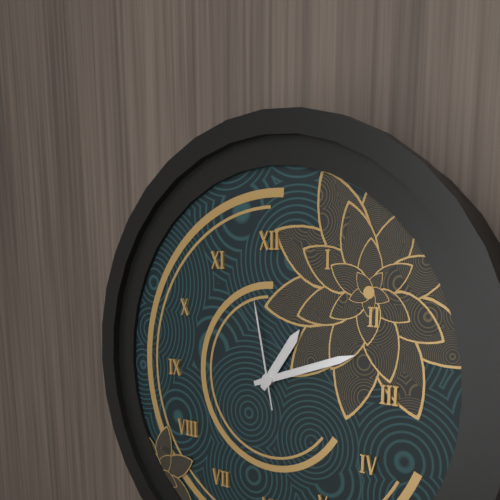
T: 1:12:58
